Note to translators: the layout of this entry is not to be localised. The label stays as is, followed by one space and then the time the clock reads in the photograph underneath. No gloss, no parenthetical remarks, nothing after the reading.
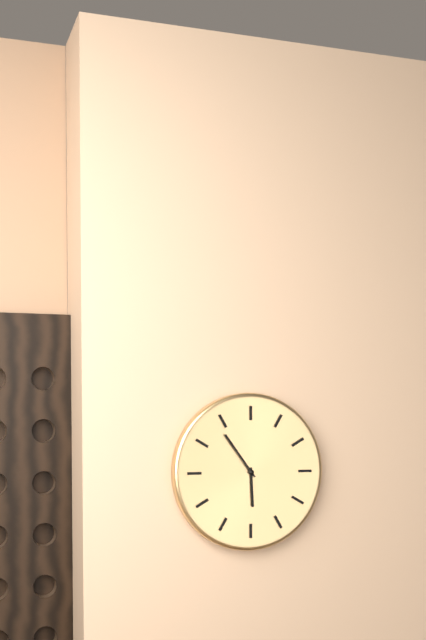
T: 5:54
